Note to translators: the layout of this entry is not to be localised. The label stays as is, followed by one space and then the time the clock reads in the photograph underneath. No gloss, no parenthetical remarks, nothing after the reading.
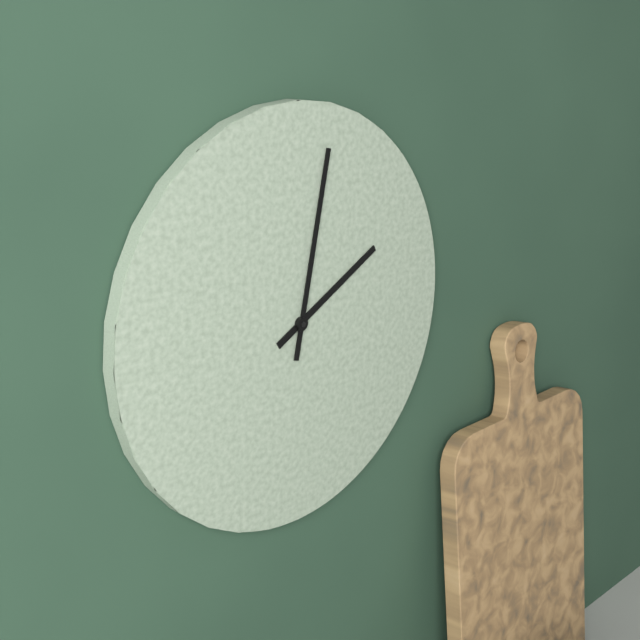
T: 2:02
